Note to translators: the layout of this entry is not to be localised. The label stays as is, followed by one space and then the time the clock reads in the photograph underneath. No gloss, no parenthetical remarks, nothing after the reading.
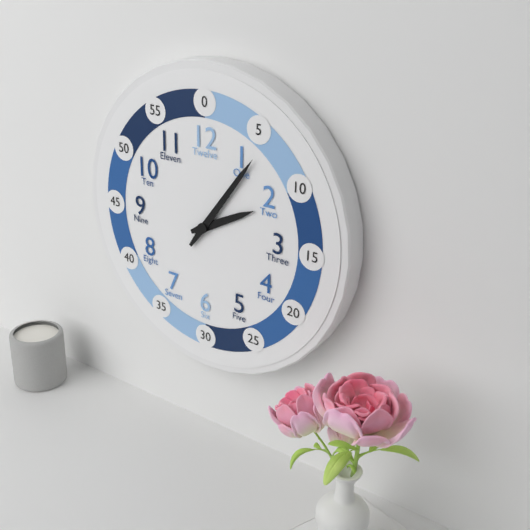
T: 2:06
